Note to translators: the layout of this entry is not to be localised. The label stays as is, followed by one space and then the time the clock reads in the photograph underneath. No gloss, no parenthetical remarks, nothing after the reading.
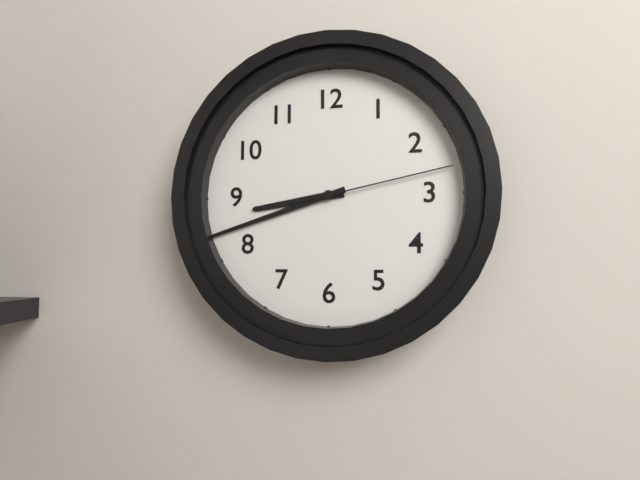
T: 8:42:13
